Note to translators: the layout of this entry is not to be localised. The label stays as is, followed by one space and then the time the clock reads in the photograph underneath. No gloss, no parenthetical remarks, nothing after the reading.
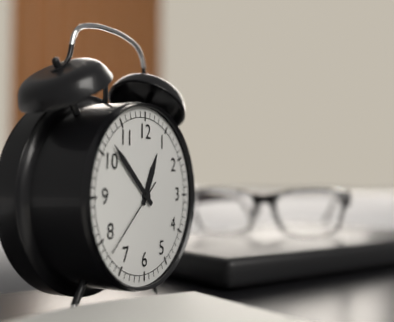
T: 12:52:38
